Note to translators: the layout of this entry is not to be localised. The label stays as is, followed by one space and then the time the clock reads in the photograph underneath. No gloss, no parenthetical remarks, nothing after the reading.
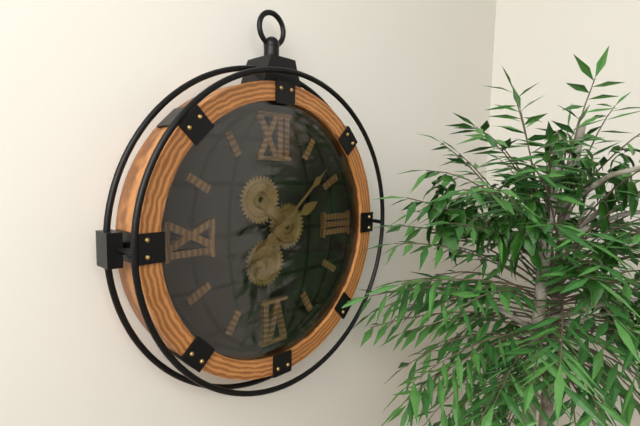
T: 2:08
